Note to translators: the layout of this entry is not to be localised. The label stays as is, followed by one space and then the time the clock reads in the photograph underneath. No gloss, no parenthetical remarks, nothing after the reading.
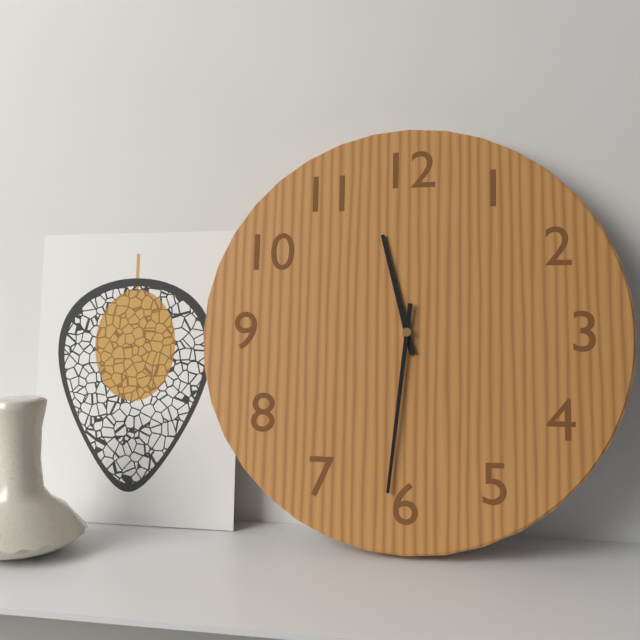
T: 11:31
